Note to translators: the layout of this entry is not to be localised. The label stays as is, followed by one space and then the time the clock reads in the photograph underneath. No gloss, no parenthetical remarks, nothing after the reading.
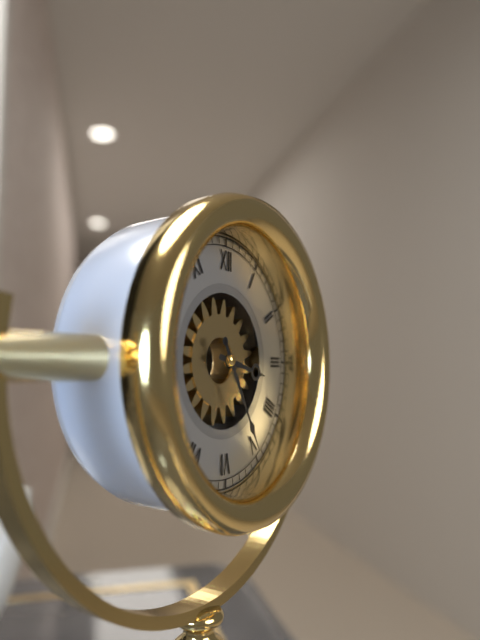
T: 3:25
